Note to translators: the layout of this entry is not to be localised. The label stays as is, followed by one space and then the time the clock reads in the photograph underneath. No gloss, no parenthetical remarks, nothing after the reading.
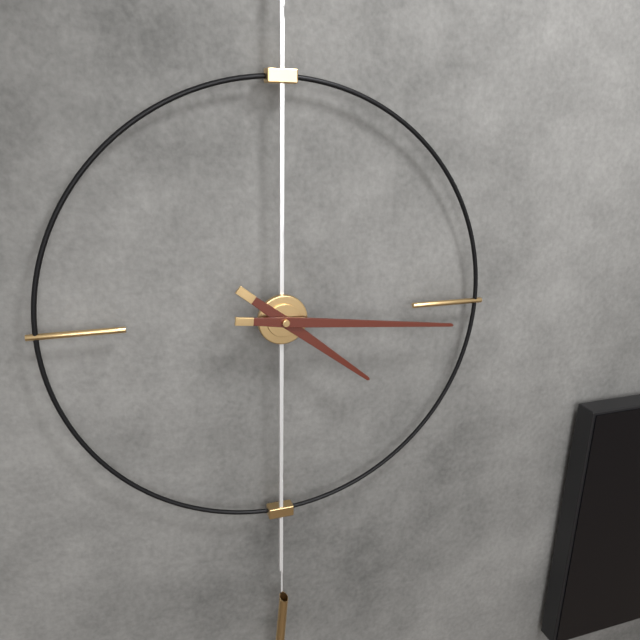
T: 4:16
